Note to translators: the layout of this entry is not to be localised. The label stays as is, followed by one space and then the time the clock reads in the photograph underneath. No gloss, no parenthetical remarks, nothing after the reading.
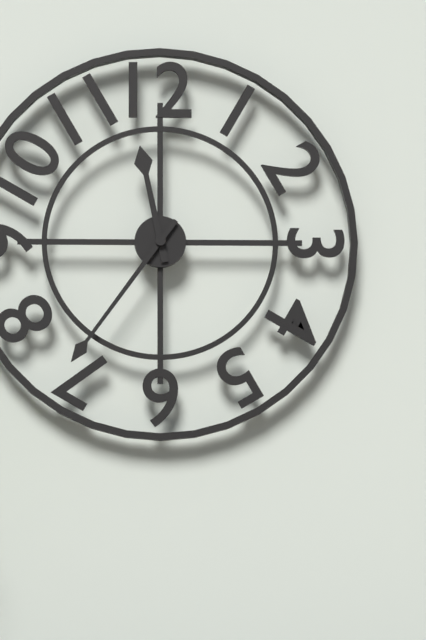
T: 11:36
